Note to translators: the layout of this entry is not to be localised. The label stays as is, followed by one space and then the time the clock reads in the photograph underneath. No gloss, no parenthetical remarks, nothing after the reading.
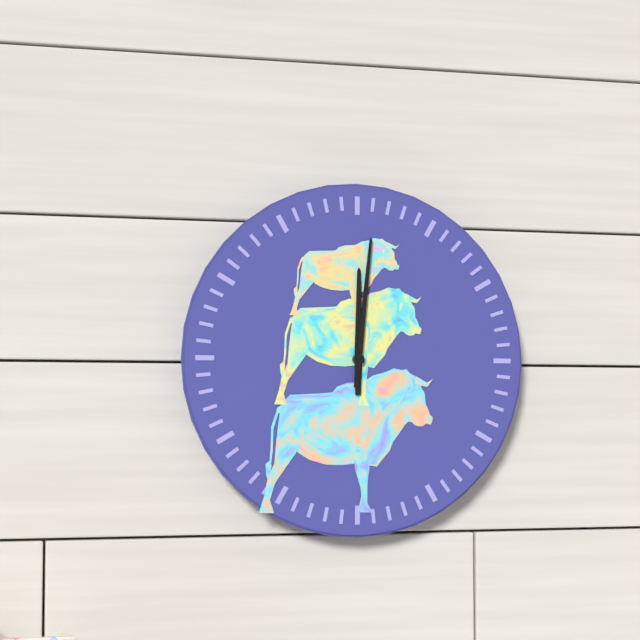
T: 12:01
